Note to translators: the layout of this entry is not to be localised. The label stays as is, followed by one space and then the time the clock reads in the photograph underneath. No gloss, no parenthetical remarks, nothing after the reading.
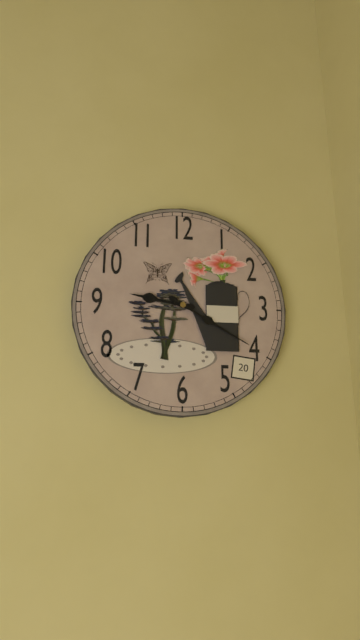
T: 9:20
